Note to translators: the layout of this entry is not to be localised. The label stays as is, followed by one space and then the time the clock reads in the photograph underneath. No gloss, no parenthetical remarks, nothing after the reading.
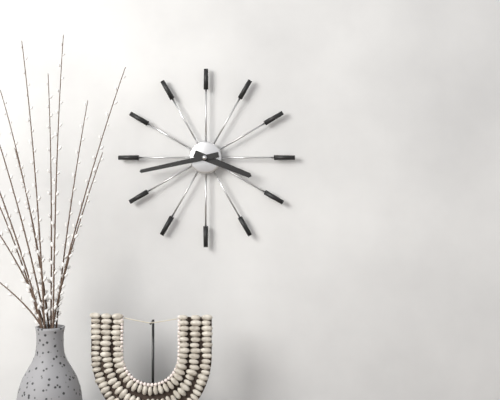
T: 3:43
